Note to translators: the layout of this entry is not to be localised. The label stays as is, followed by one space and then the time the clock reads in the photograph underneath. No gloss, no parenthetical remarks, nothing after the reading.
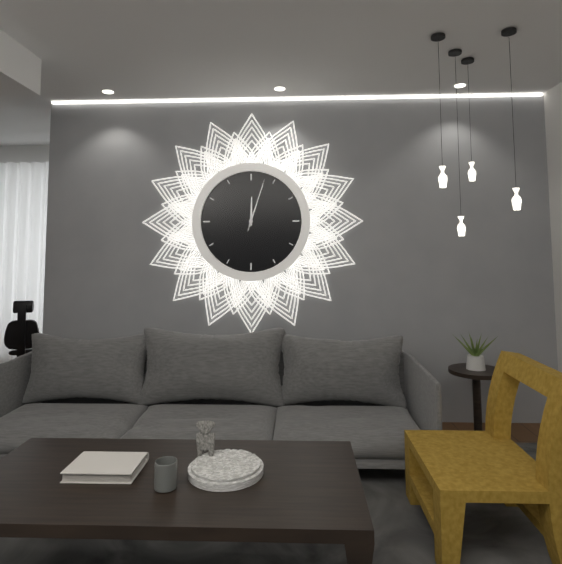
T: 12:03:03
